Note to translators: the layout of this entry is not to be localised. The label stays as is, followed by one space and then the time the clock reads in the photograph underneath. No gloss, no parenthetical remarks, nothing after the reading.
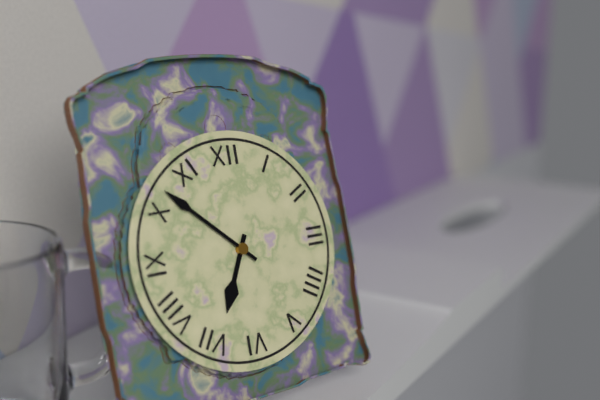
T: 6:52
